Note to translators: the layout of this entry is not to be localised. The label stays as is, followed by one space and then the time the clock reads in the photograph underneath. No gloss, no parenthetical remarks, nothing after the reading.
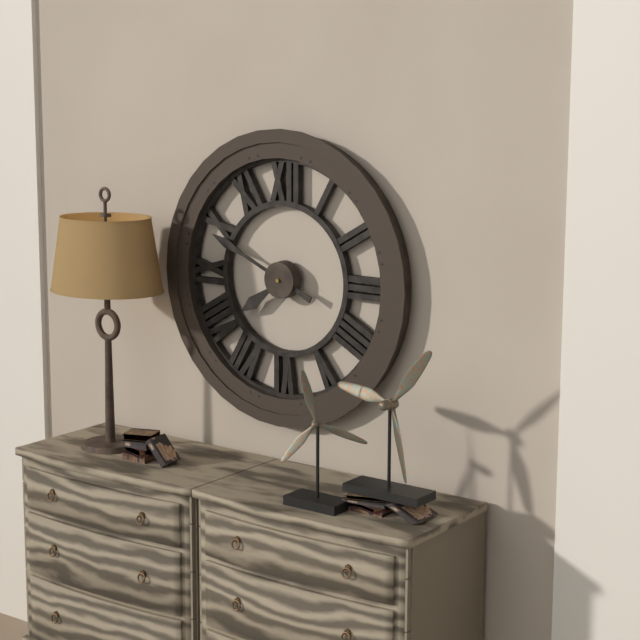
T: 7:49
